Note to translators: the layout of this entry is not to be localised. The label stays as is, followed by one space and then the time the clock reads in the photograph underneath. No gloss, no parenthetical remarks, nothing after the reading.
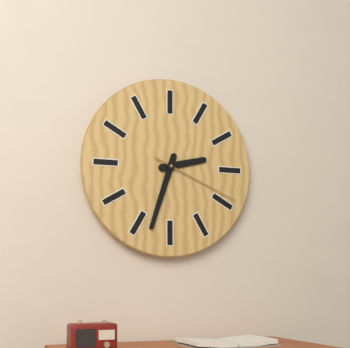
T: 2:33:19
